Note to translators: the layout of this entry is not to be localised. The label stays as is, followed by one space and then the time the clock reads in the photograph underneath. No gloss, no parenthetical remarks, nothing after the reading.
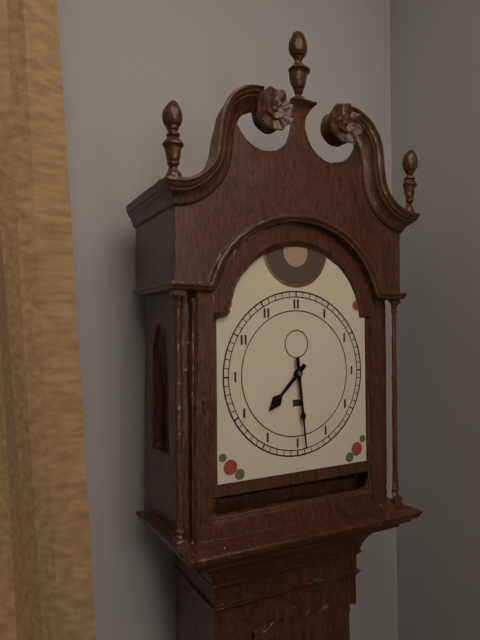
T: 7:29
